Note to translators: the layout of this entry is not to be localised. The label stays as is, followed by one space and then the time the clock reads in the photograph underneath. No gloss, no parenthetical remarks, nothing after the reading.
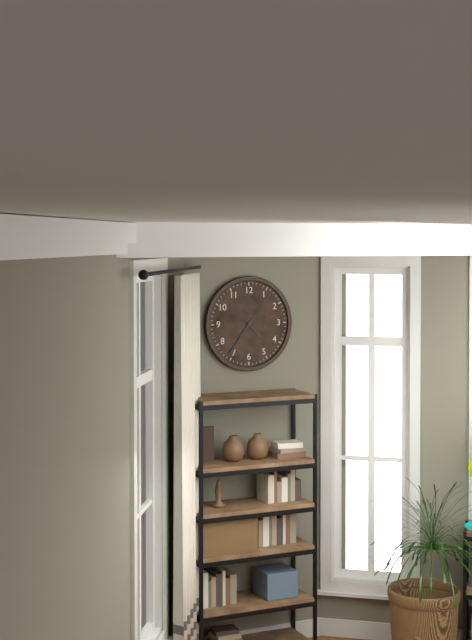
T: 4:36
